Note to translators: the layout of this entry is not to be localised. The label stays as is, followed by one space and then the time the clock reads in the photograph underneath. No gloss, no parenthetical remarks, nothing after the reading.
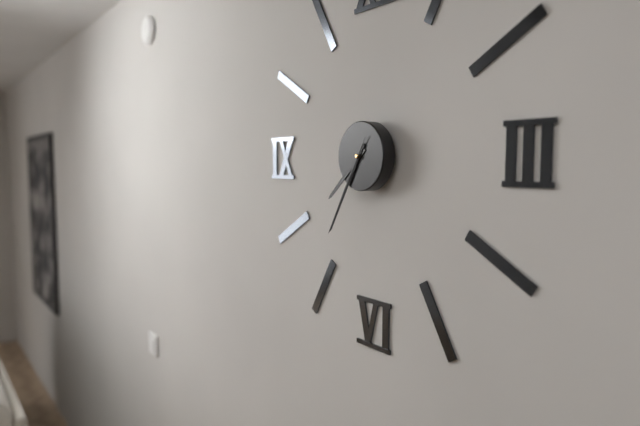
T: 7:35:35
